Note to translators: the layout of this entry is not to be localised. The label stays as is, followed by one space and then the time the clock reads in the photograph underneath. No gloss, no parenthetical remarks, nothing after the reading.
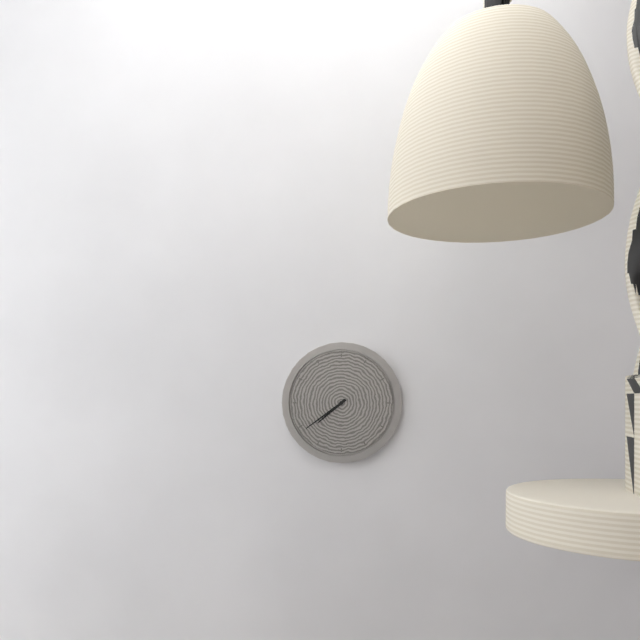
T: 7:39
